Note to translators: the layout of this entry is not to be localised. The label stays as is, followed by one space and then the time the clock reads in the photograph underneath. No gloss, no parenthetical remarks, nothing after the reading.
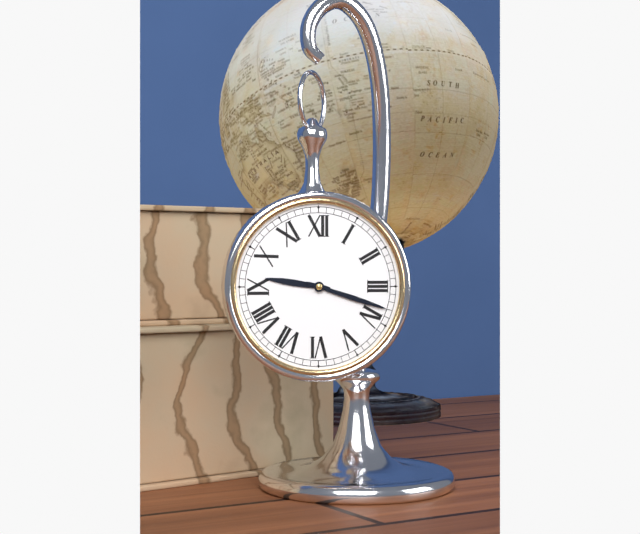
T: 9:18
